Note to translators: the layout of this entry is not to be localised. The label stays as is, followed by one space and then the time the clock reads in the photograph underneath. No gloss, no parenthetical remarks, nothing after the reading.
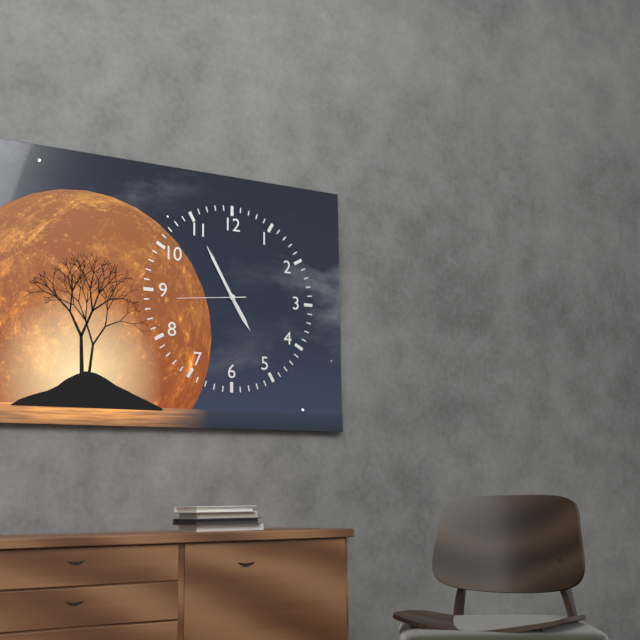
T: 4:55:44
